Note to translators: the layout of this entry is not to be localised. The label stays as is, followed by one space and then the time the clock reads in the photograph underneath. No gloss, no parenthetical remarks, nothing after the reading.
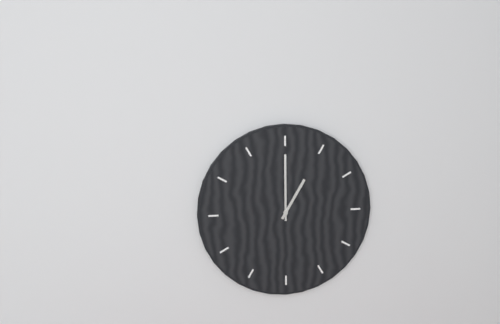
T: 1:00
